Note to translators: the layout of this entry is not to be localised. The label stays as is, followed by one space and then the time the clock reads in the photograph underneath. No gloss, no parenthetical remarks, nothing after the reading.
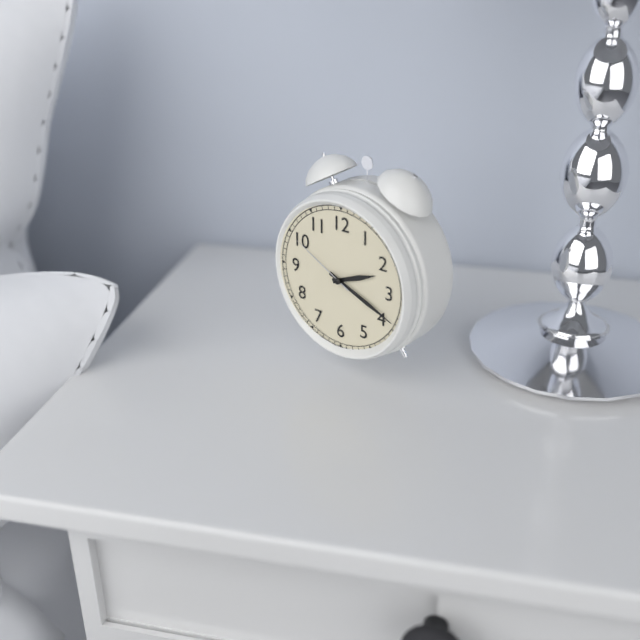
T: 2:19:50
